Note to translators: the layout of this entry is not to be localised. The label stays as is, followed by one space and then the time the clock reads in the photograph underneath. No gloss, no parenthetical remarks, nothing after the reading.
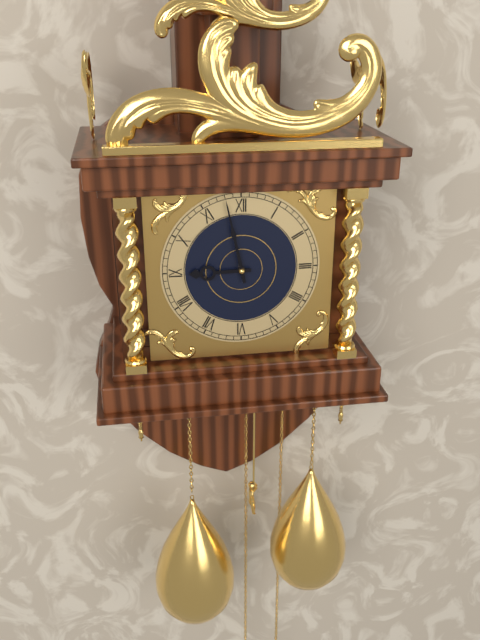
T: 8:58
